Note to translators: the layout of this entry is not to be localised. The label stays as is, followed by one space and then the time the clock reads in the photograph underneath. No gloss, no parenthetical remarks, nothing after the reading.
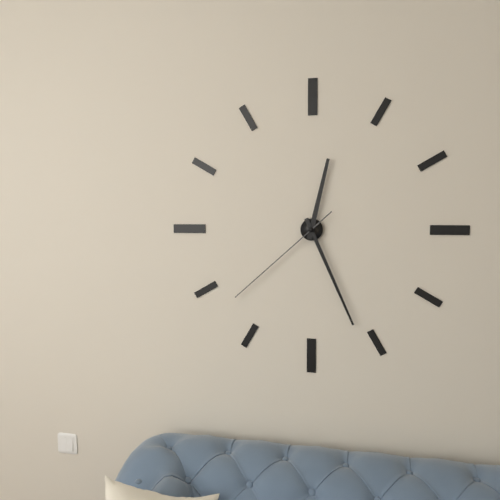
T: 12:26:38
